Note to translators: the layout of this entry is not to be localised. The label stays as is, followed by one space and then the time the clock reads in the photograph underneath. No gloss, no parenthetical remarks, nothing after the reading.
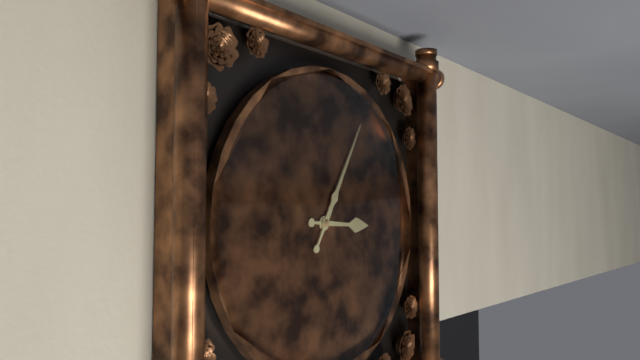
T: 3:05
